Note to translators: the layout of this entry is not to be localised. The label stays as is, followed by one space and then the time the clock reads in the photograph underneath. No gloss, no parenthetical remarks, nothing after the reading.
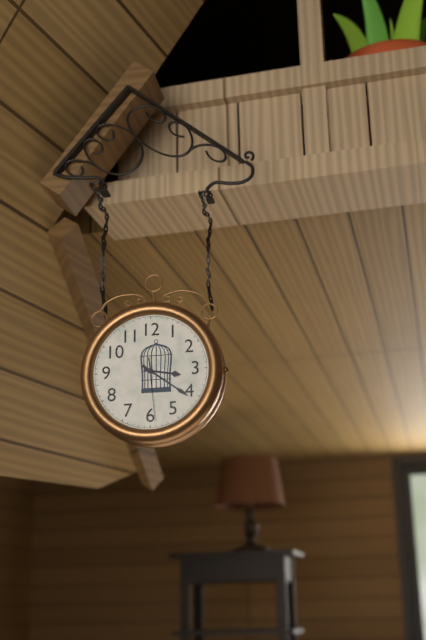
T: 3:21:29
